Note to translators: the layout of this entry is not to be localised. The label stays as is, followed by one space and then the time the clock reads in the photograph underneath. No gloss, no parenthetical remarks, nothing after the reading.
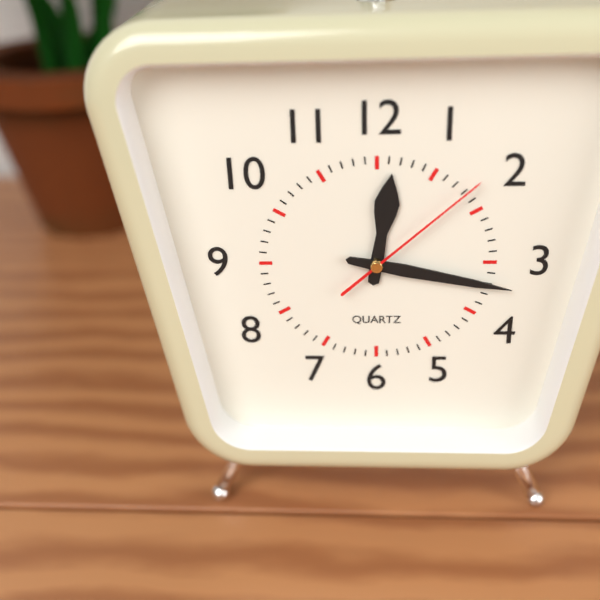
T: 12:17:08
